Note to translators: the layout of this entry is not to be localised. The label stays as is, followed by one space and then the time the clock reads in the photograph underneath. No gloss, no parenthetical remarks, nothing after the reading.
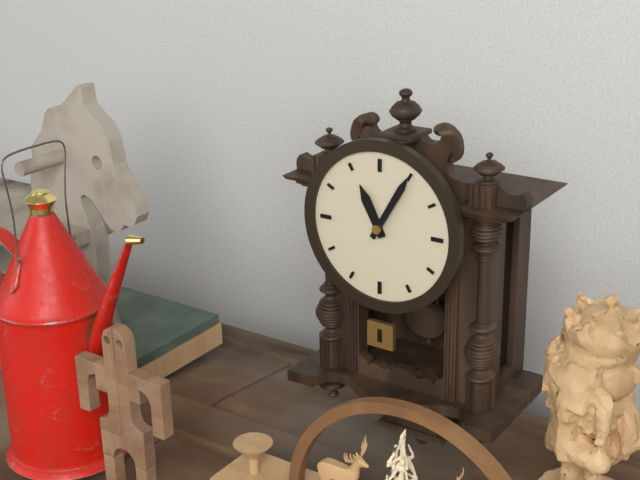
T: 11:05
